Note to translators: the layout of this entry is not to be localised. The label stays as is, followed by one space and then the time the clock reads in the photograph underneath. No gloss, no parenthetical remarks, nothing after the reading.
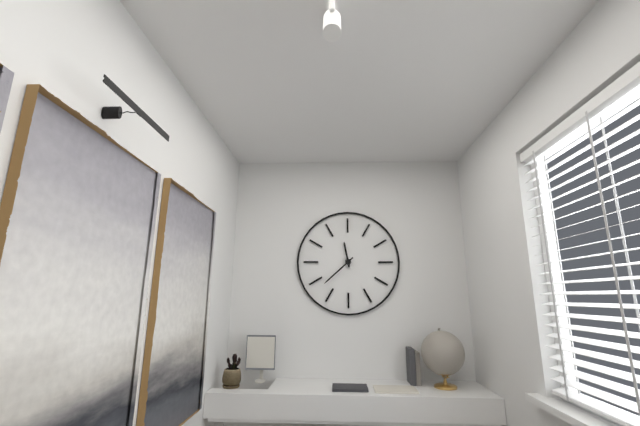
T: 11:38
